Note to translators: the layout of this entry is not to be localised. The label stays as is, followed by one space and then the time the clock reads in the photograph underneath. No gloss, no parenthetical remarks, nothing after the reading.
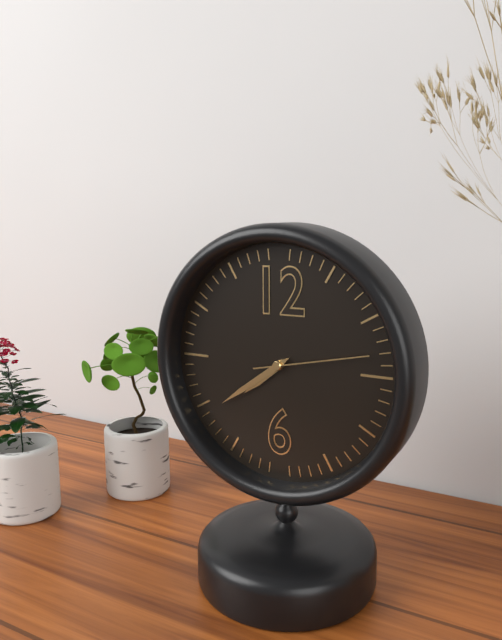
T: 7:39:13
